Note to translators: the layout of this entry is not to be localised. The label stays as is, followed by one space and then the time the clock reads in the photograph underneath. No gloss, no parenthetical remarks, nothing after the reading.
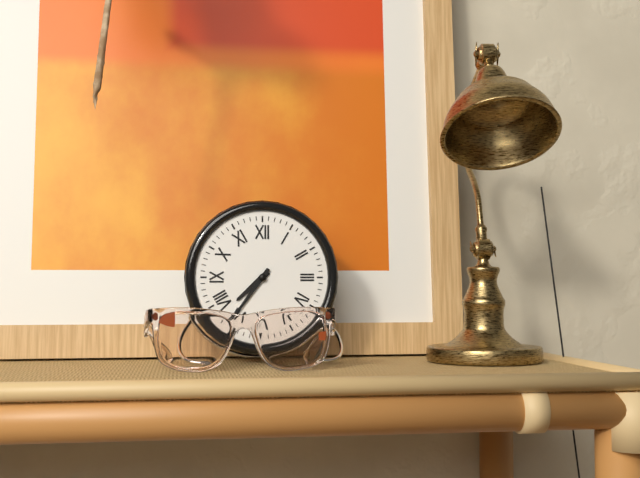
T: 7:36
